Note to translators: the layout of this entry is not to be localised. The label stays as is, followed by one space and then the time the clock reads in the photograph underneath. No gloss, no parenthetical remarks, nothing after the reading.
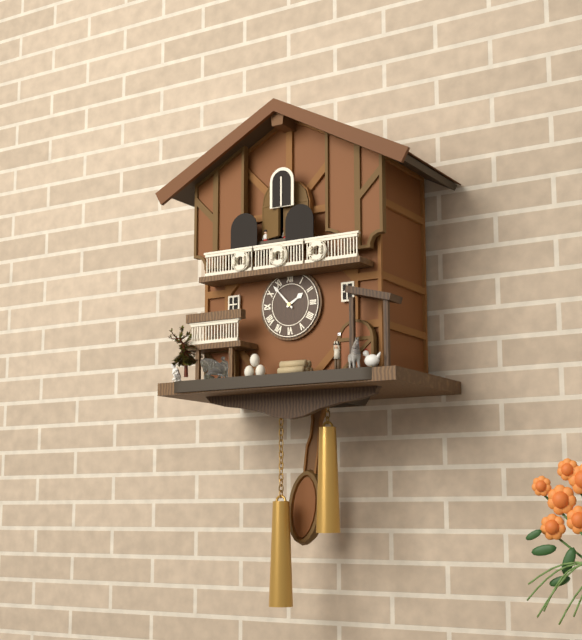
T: 1:53
